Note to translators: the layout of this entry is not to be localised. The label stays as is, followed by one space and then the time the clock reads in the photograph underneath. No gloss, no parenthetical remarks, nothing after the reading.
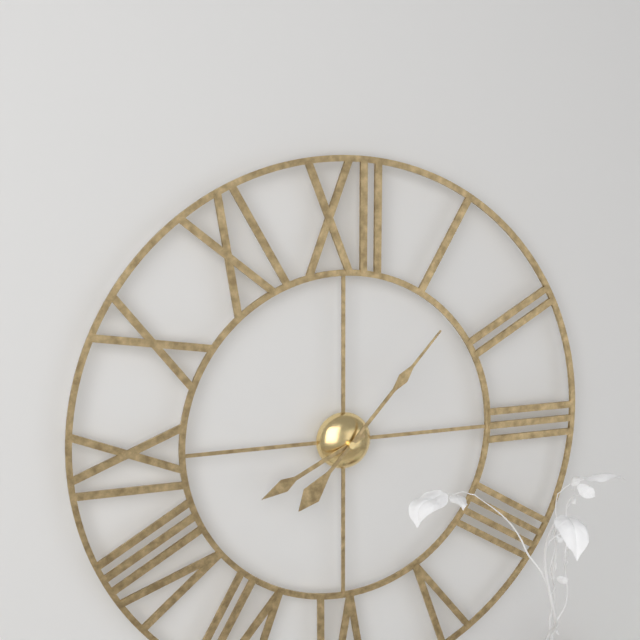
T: 8:07
